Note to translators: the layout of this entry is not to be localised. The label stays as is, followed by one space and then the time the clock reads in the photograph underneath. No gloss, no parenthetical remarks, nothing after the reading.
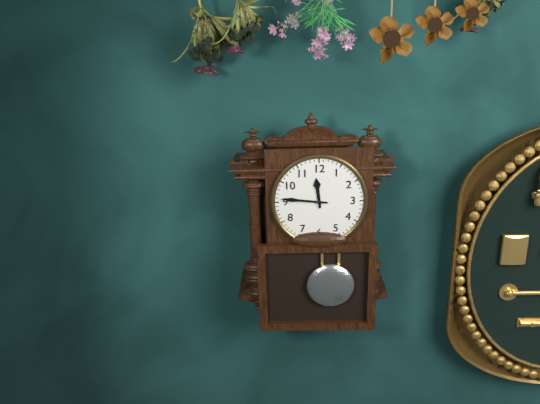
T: 11:46
